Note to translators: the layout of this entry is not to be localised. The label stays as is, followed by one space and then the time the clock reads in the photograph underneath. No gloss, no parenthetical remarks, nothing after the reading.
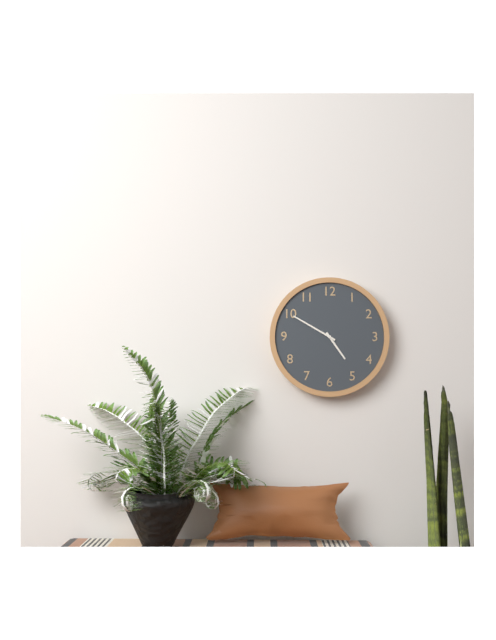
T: 4:50
